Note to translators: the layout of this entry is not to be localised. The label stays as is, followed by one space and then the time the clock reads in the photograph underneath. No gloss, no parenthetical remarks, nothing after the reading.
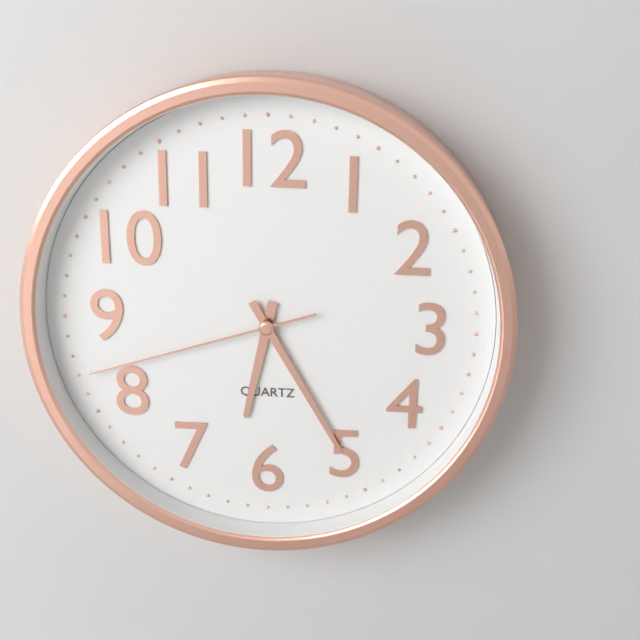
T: 6:25:42
